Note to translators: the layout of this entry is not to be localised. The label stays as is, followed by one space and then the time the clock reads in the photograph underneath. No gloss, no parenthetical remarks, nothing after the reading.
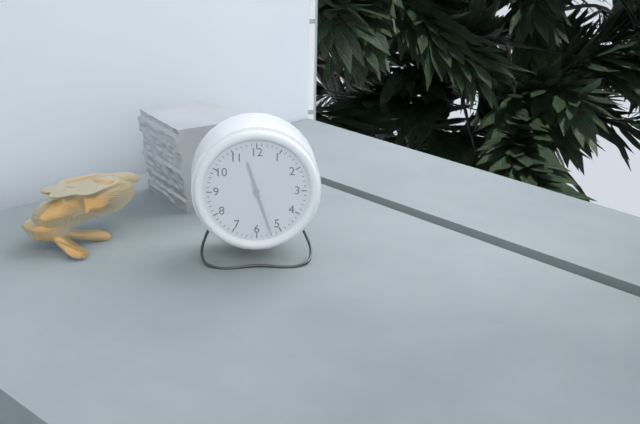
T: 11:27
